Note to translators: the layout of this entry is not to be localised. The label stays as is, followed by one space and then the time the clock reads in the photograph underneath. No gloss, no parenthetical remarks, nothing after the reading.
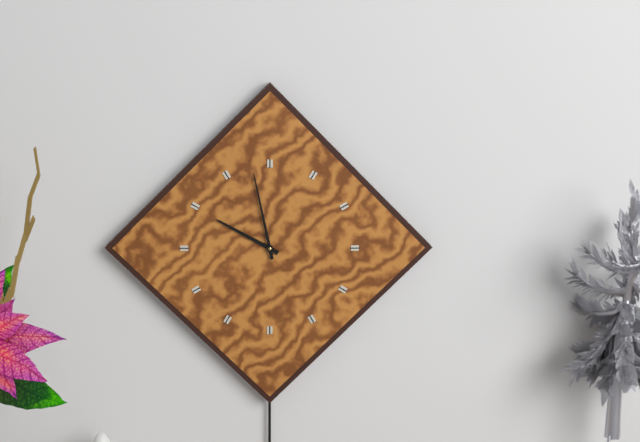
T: 9:58
